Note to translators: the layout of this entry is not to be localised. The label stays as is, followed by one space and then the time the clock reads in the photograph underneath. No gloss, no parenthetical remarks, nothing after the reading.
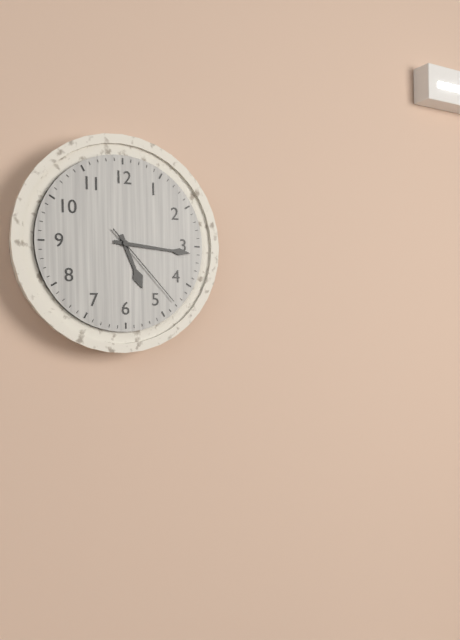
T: 5:16:23
